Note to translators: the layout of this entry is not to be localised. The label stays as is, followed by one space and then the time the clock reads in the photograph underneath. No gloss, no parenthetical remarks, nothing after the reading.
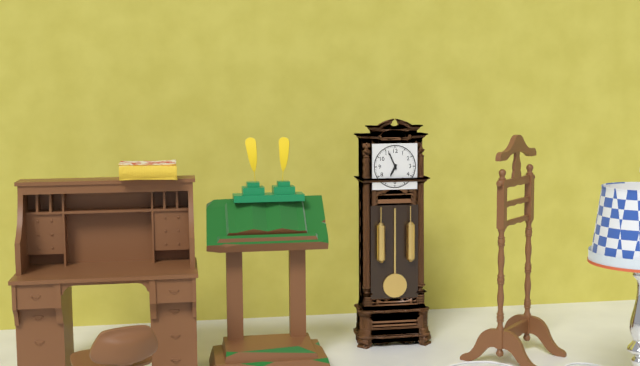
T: 6:56
